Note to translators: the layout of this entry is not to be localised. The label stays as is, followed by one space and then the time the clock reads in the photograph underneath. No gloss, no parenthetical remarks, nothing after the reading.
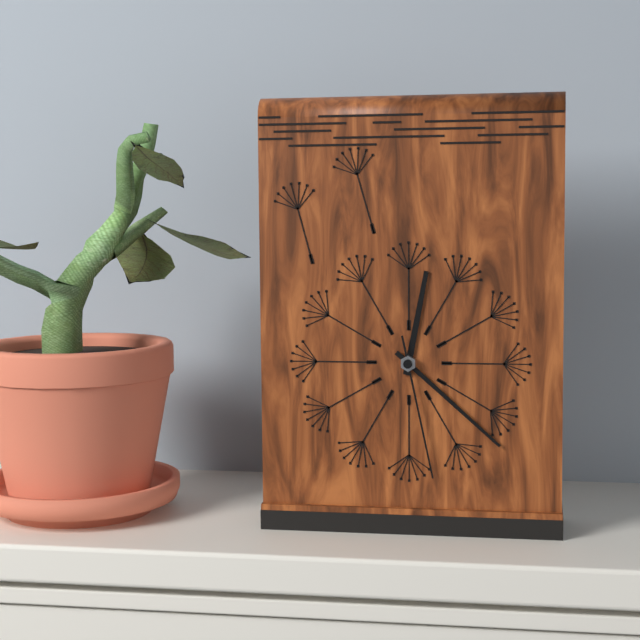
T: 12:22:28
